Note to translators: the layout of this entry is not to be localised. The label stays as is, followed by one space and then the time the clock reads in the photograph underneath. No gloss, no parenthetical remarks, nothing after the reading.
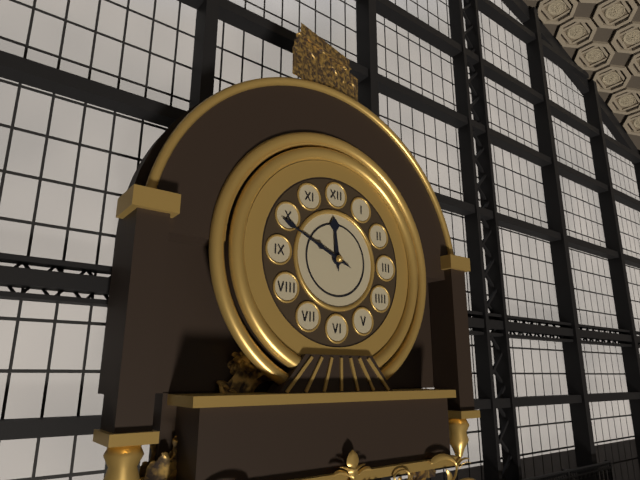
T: 11:49
